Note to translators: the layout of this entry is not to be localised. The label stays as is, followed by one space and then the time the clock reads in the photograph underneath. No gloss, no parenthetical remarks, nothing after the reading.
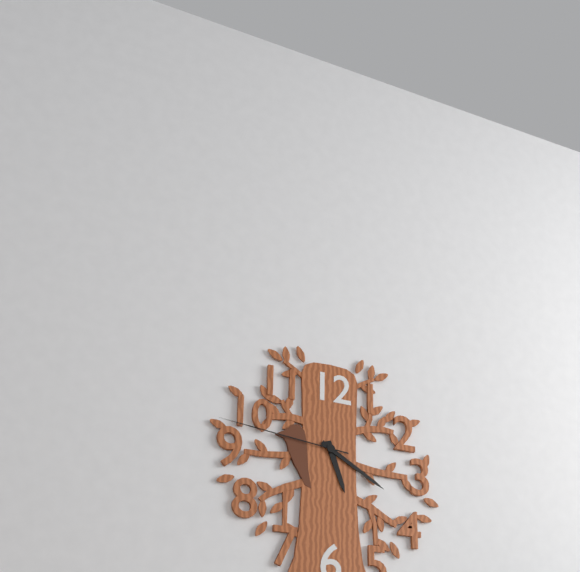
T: 5:20:46
